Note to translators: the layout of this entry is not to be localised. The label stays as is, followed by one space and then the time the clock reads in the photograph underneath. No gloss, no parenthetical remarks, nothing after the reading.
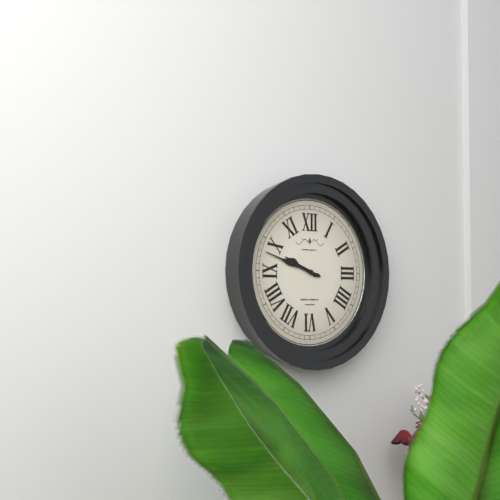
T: 9:48
